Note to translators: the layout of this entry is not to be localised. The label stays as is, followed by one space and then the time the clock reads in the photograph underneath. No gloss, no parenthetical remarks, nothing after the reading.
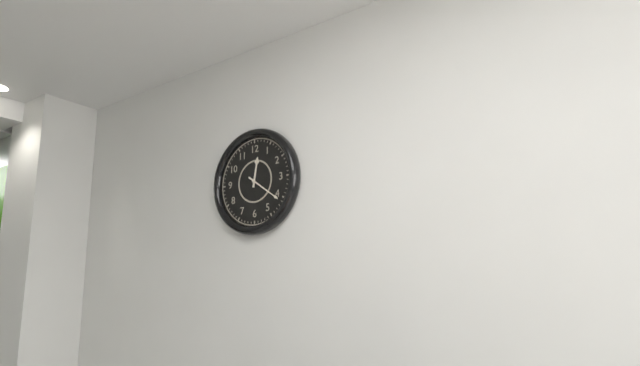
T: 12:21
